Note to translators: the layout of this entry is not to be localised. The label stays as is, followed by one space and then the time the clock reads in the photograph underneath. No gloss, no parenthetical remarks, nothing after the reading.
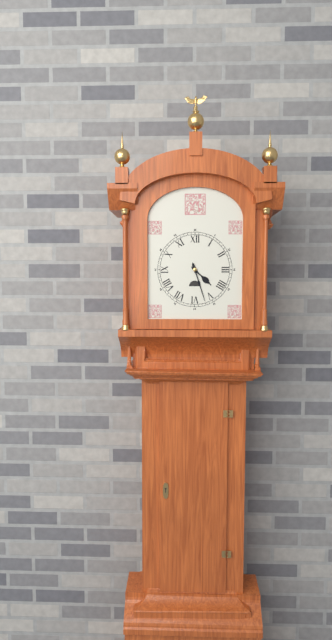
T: 4:27
